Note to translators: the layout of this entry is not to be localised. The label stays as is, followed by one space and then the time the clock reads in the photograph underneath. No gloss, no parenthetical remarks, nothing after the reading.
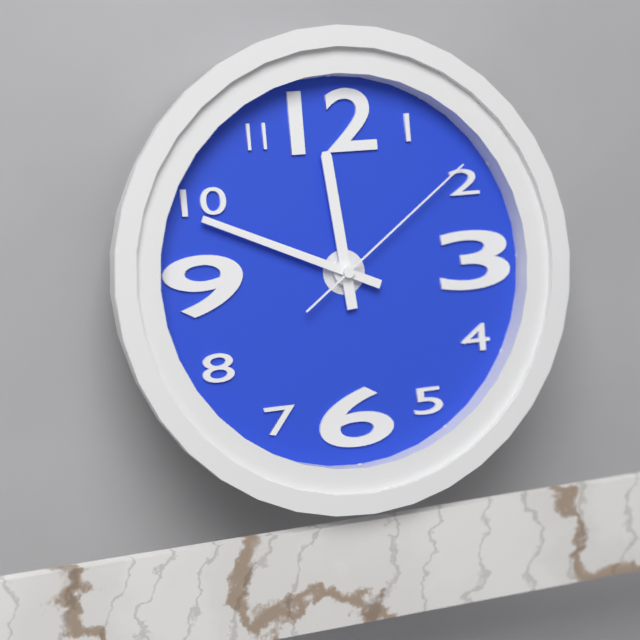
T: 11:49:09
